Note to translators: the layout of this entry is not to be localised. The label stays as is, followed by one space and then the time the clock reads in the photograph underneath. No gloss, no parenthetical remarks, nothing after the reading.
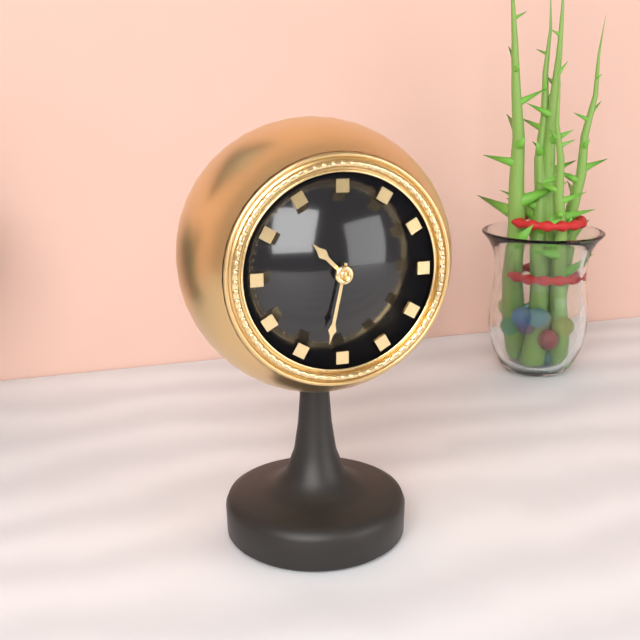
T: 10:32
